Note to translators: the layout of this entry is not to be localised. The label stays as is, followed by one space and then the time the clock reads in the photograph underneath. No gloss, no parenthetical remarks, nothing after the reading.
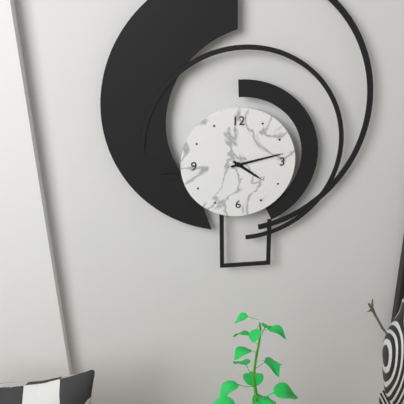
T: 4:13
